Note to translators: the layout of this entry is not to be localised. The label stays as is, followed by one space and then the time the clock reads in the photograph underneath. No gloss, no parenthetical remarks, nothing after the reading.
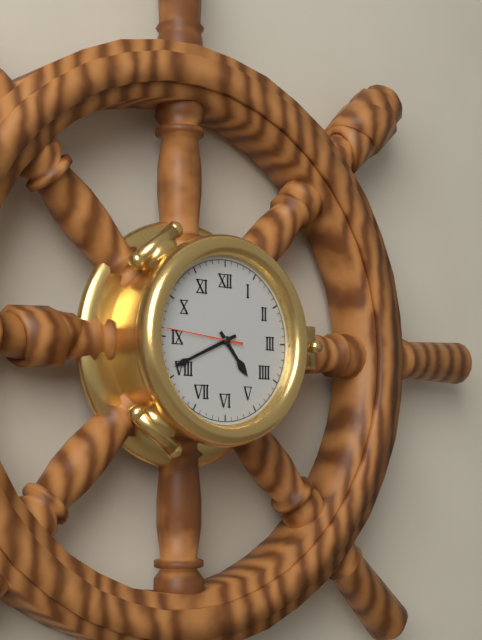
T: 4:41:46
